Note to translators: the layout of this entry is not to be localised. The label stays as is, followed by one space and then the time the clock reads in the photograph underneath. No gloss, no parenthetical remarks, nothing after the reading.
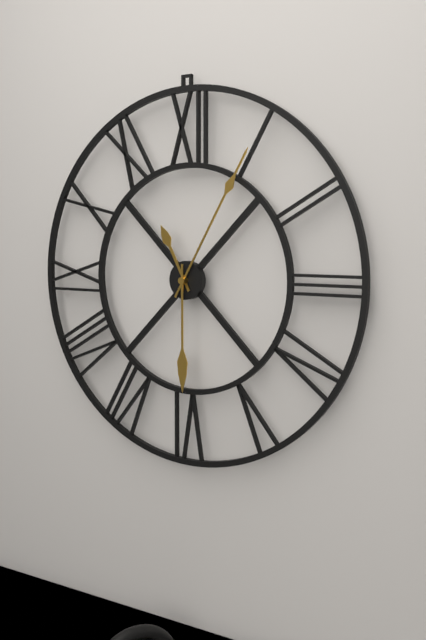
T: 11:05:30
